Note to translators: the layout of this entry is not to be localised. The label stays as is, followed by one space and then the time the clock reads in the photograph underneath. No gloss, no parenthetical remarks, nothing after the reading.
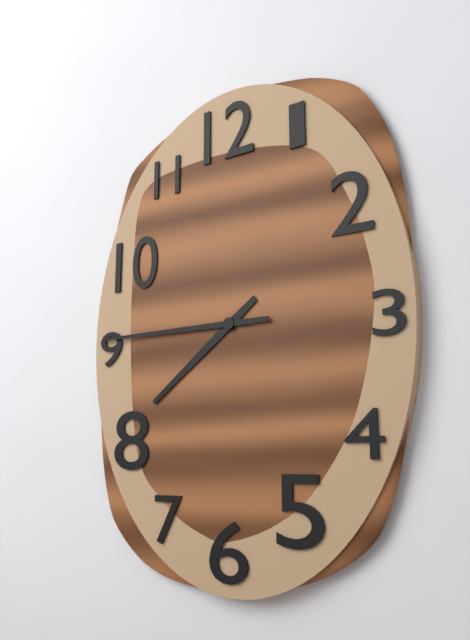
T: 7:45
